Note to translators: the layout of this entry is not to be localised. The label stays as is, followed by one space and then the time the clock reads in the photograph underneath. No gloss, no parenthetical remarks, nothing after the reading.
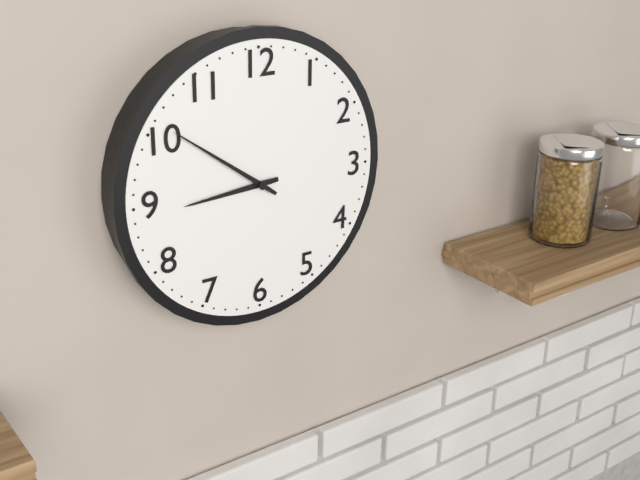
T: 8:51
